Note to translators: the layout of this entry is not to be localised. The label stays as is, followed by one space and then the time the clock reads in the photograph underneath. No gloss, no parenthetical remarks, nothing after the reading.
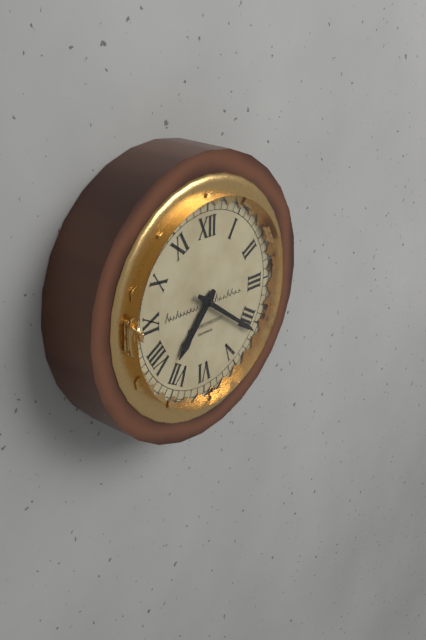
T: 7:21
